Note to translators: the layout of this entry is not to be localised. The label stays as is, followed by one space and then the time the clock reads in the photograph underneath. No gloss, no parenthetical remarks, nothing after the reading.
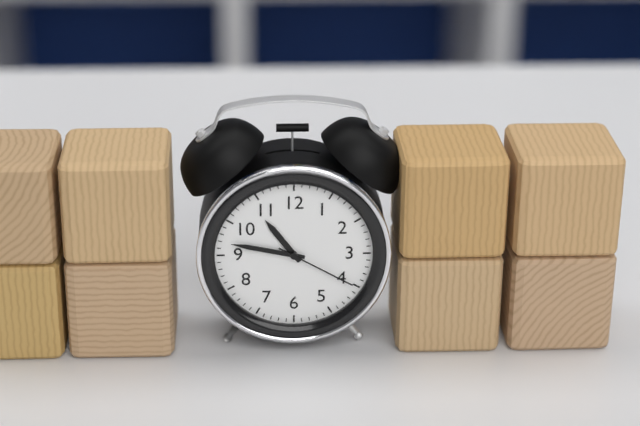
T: 10:47:20
